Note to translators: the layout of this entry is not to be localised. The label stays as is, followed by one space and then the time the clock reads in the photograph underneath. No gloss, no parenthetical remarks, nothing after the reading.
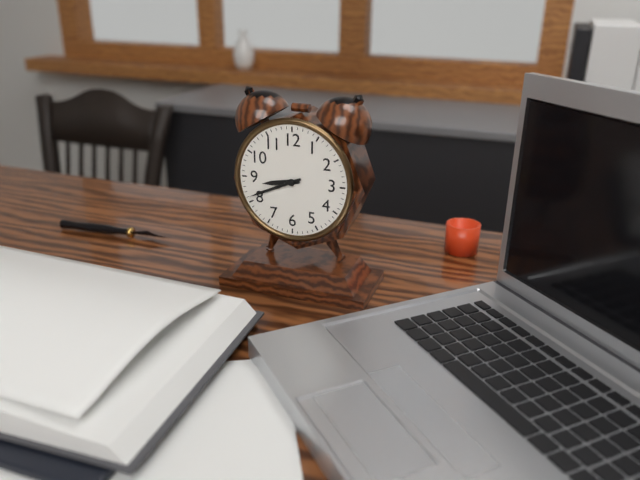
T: 8:41
